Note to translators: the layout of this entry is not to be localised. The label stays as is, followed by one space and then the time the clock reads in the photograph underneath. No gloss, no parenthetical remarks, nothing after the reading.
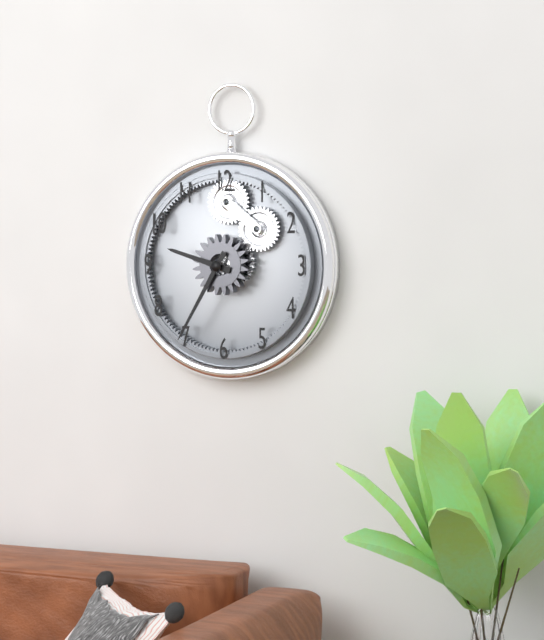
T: 9:35
